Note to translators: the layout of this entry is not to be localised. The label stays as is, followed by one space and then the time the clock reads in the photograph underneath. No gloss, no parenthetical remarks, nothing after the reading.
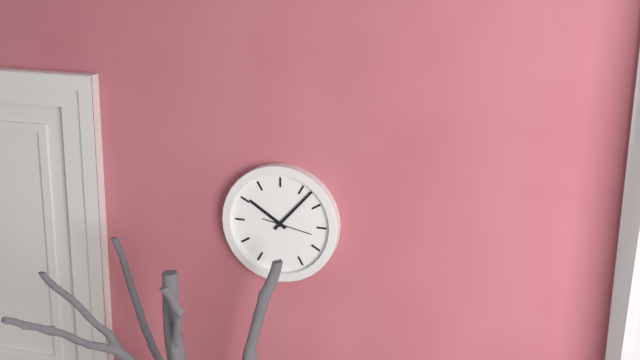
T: 10:07
